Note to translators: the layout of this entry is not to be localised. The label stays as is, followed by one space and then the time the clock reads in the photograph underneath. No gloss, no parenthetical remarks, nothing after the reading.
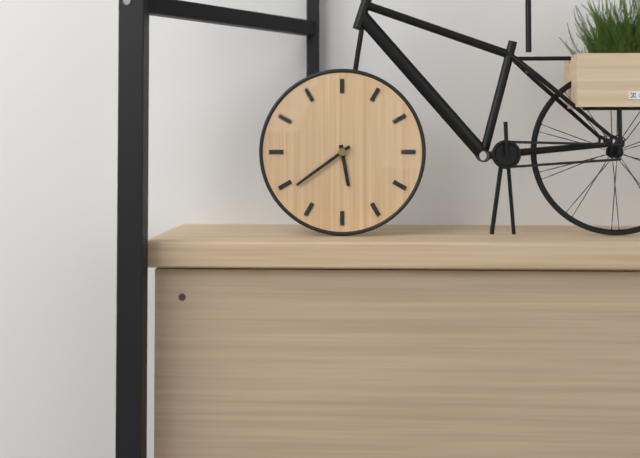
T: 5:39
